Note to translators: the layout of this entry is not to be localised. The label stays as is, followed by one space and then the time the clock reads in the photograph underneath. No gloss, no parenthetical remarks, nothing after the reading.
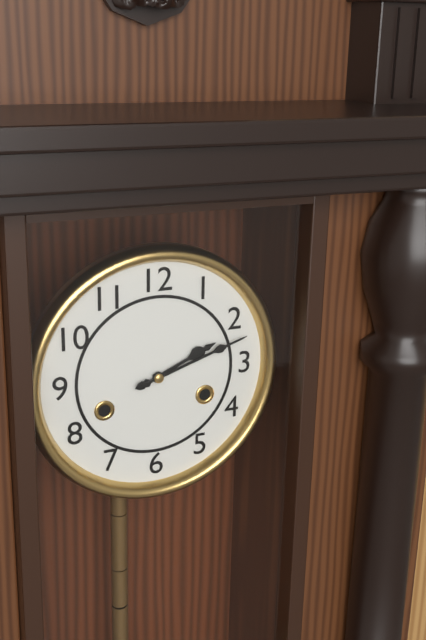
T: 2:12
